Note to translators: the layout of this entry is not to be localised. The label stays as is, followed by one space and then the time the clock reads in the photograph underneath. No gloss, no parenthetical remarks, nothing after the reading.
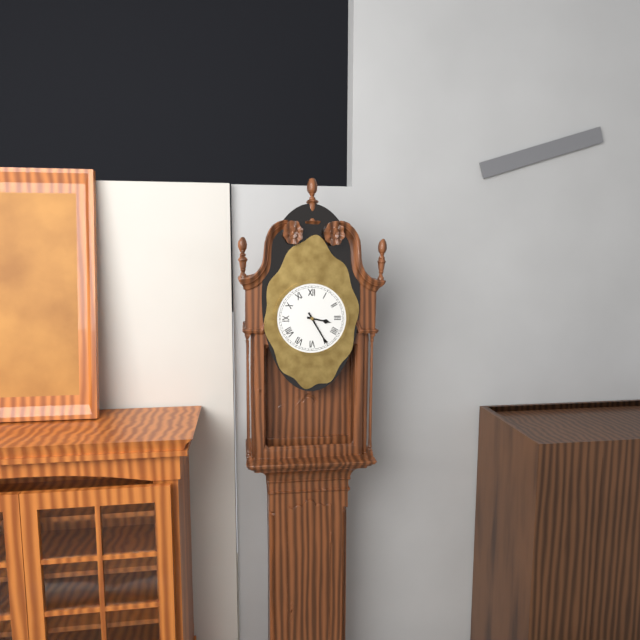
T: 3:25
